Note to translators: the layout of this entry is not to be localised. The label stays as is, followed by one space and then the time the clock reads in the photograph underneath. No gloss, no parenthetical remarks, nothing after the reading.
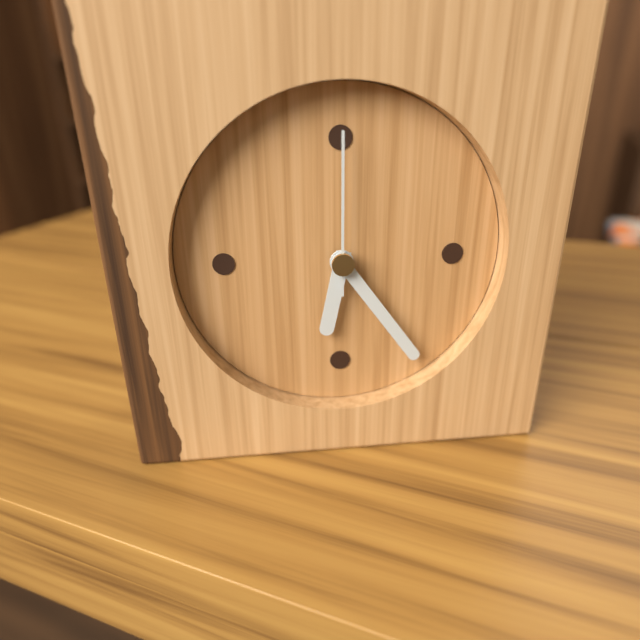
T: 6:24:00
